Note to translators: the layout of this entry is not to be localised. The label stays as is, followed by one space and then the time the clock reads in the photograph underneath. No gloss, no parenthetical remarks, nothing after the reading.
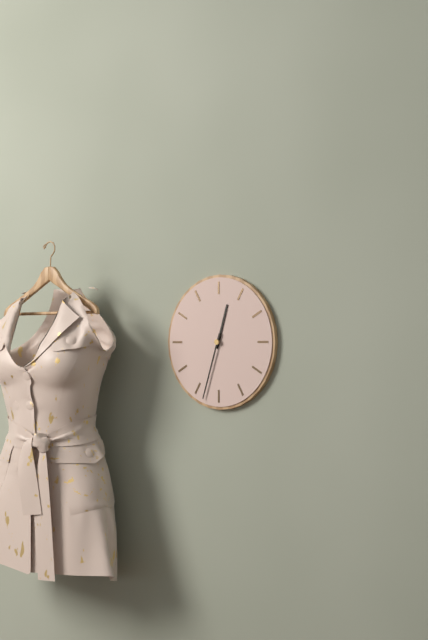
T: 12:33
